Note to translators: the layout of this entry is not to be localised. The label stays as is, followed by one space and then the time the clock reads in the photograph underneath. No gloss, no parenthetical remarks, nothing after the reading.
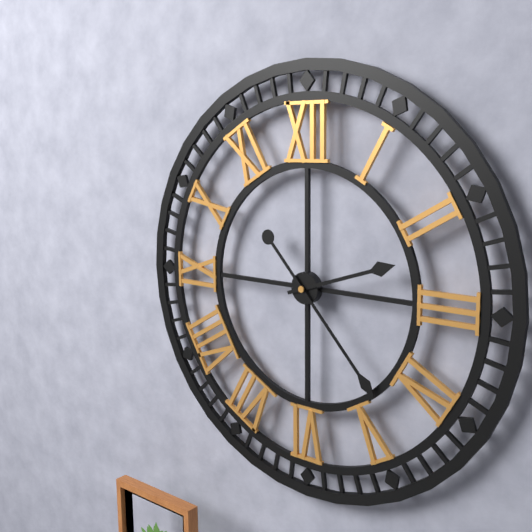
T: 2:23
